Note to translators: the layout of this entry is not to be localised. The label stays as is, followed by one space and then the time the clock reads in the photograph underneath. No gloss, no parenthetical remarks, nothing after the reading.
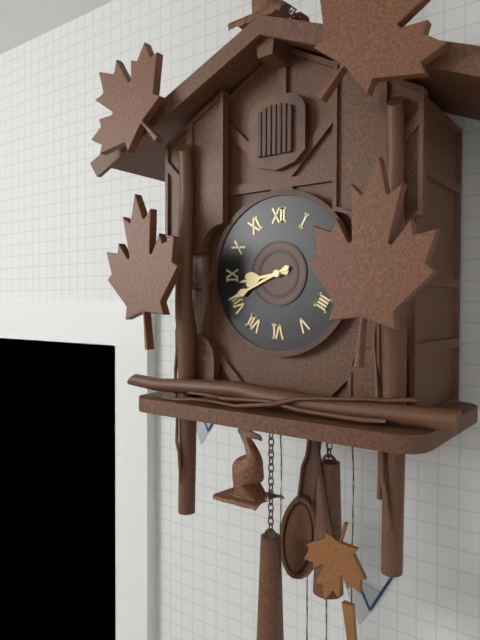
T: 8:41
